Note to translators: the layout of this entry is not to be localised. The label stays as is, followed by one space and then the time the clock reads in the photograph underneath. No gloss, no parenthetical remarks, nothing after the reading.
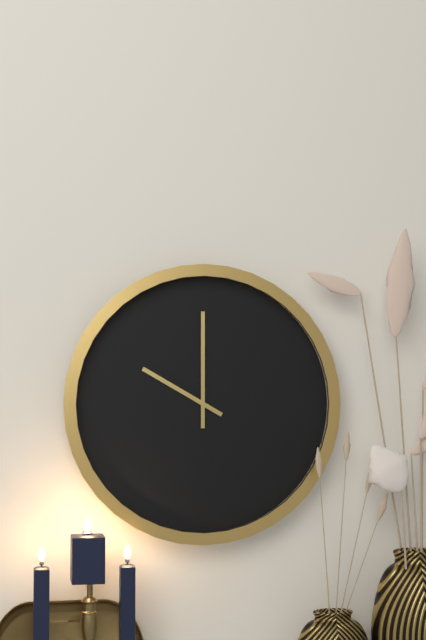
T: 10:00
